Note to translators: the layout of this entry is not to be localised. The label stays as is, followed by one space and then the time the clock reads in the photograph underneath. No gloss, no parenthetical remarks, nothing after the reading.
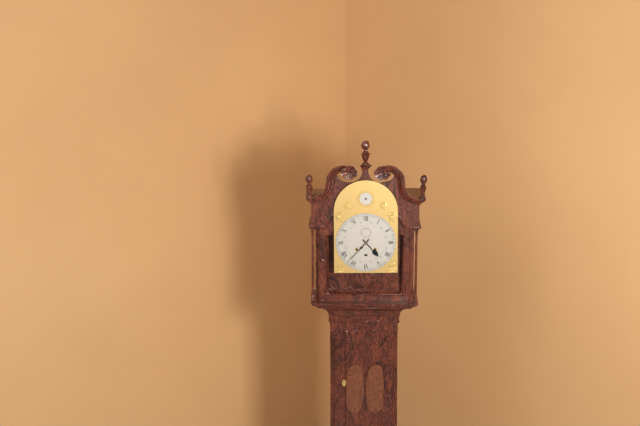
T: 4:37
